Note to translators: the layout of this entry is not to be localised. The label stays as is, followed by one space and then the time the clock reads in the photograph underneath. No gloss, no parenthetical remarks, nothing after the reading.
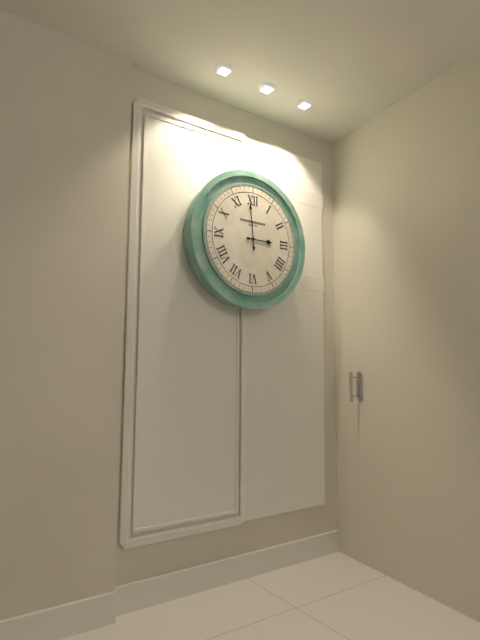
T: 2:59
